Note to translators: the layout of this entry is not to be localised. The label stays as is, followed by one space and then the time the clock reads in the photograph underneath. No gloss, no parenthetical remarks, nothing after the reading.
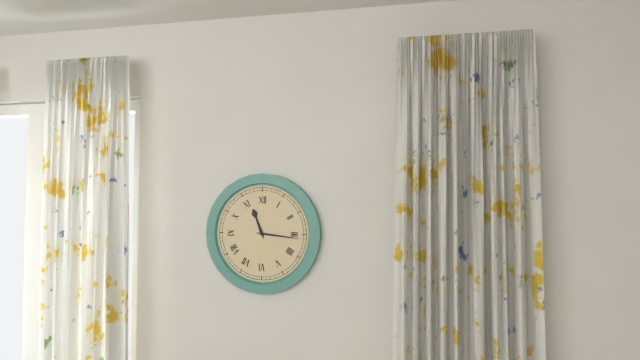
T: 11:16
